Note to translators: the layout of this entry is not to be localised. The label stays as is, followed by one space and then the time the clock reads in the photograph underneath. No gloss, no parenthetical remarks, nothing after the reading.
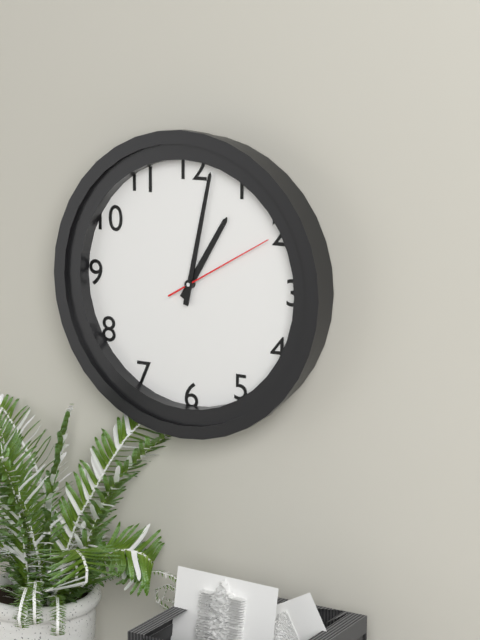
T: 1:02:10
